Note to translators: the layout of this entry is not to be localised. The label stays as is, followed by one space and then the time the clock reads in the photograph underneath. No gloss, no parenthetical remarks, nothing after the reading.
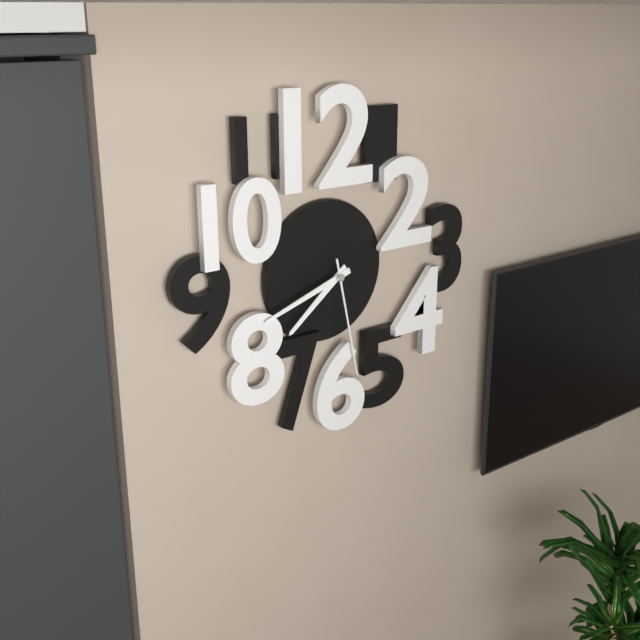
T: 7:42:28
